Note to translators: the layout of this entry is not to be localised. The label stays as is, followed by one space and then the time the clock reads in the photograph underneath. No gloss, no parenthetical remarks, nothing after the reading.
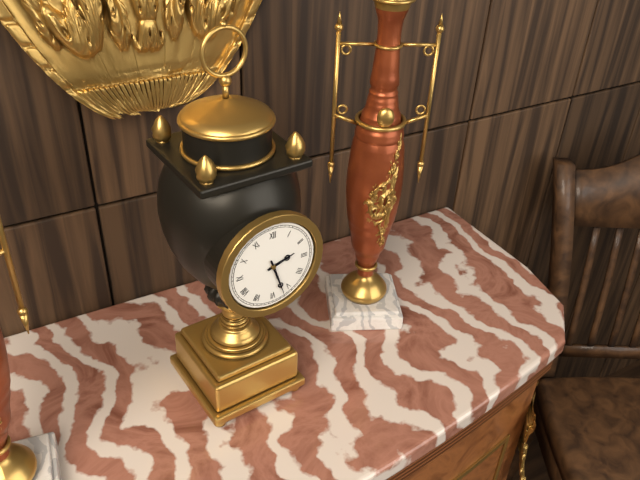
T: 2:27
